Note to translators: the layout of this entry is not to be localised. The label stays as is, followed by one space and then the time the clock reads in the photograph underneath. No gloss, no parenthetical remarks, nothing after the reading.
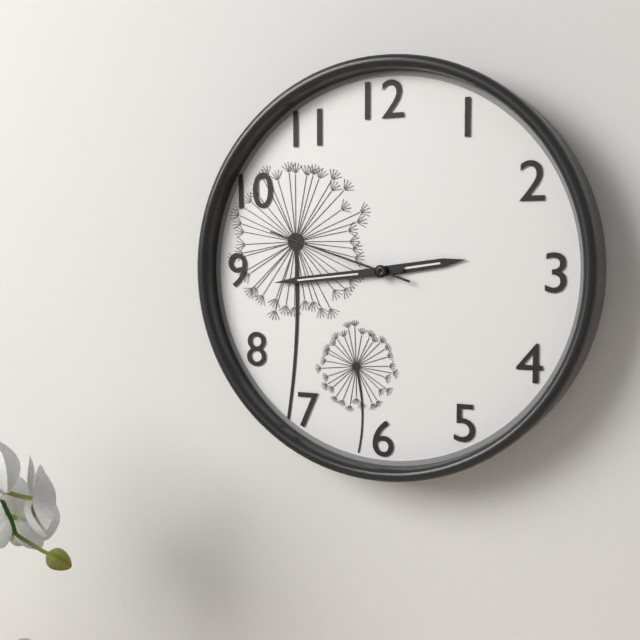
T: 2:44:48
